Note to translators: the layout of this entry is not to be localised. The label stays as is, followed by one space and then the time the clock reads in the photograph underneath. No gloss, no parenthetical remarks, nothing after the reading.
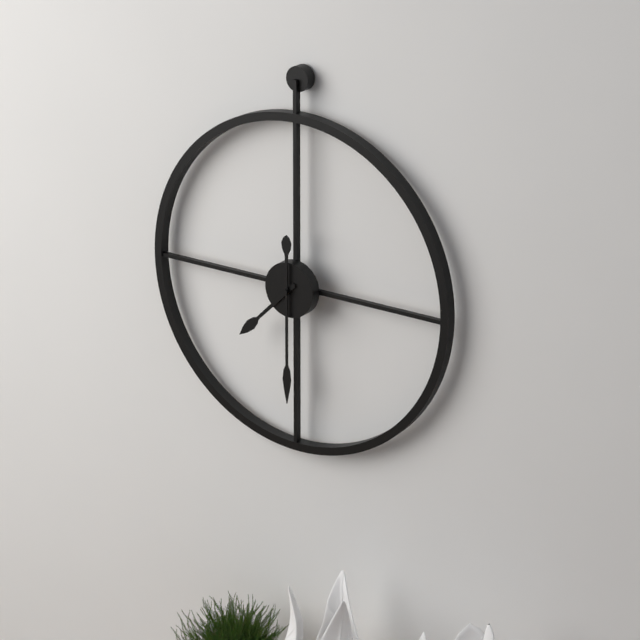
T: 7:30
